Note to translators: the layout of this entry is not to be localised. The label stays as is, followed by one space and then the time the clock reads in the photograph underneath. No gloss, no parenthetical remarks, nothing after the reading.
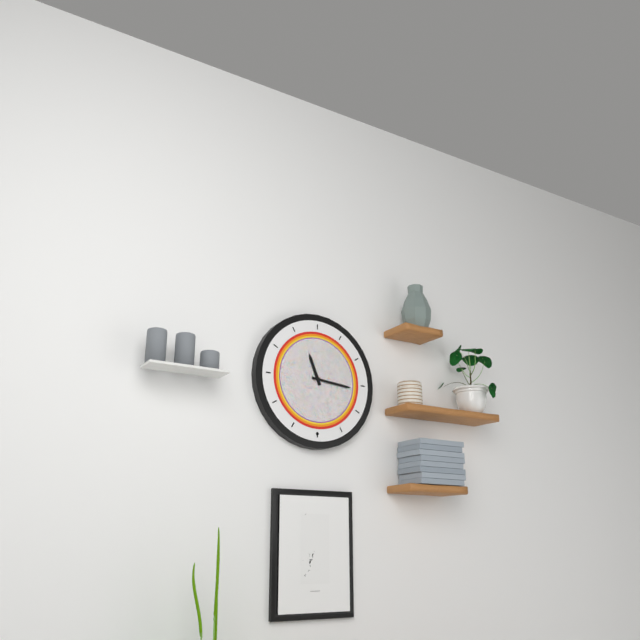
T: 11:16
